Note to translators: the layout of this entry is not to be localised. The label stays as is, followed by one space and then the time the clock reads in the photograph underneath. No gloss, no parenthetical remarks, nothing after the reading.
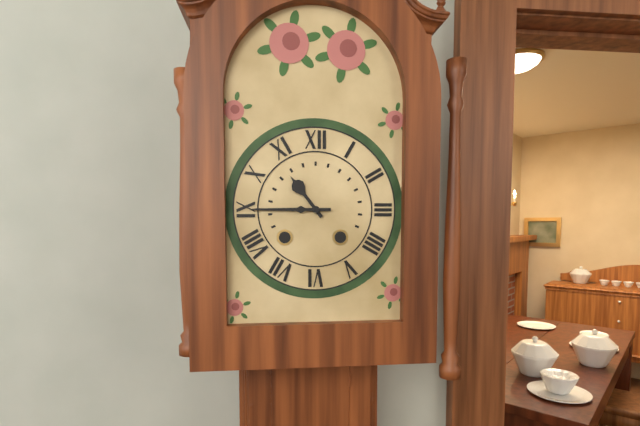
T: 10:45
